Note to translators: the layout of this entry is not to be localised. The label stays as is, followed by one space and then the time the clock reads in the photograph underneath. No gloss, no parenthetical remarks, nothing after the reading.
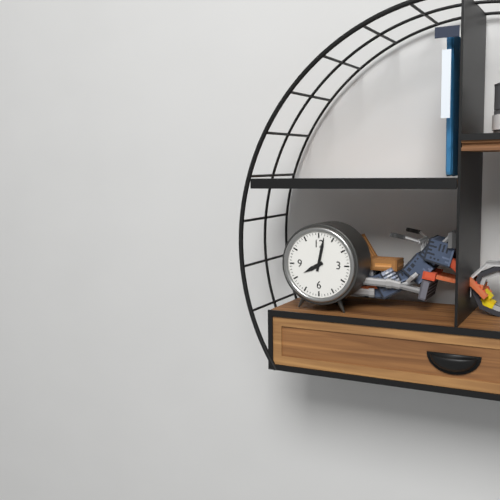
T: 8:02
